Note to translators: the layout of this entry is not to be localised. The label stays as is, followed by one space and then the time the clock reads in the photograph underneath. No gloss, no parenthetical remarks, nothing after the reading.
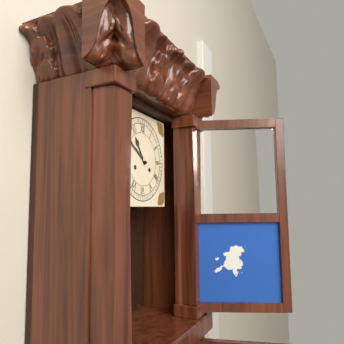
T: 10:50
